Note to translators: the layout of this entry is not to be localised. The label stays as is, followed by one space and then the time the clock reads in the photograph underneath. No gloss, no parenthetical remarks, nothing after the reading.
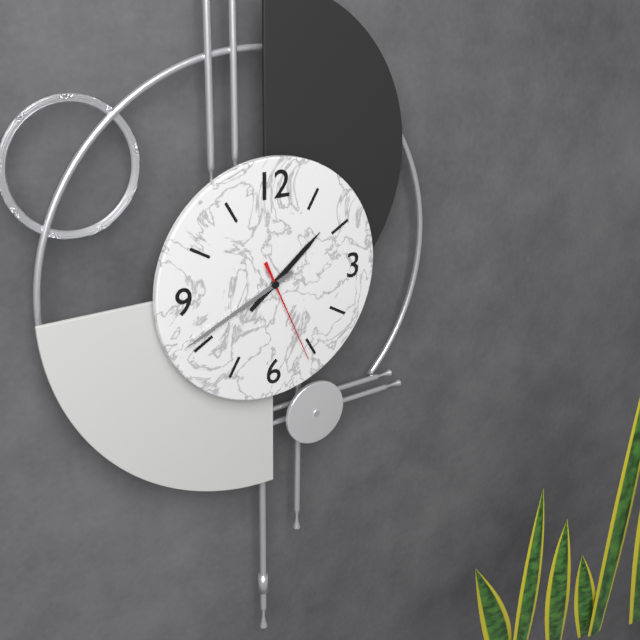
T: 1:41:26
